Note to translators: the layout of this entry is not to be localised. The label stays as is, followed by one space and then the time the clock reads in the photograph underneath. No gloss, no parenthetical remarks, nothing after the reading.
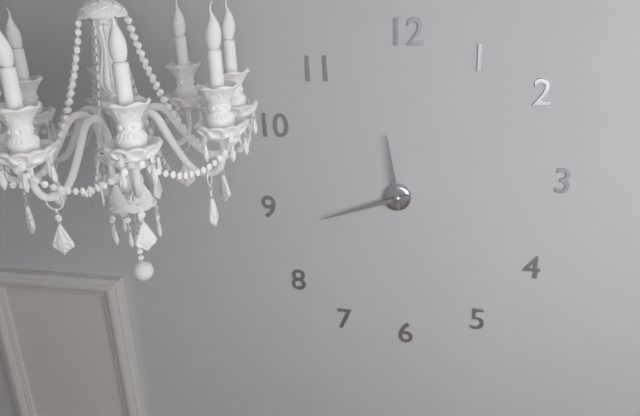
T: 11:42
